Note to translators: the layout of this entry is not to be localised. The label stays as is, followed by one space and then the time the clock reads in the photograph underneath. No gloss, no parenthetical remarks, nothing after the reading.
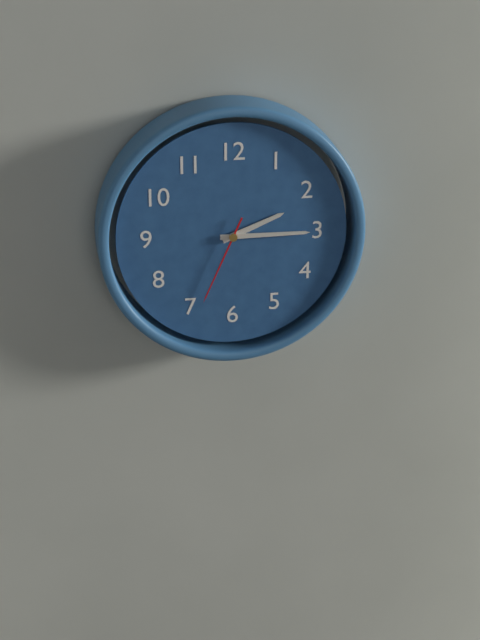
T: 2:15:34
